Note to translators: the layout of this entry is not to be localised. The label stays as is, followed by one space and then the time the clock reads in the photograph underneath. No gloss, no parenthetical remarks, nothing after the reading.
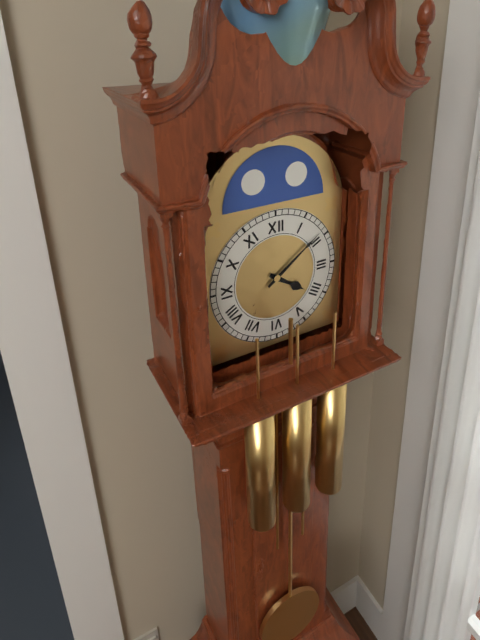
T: 4:09
